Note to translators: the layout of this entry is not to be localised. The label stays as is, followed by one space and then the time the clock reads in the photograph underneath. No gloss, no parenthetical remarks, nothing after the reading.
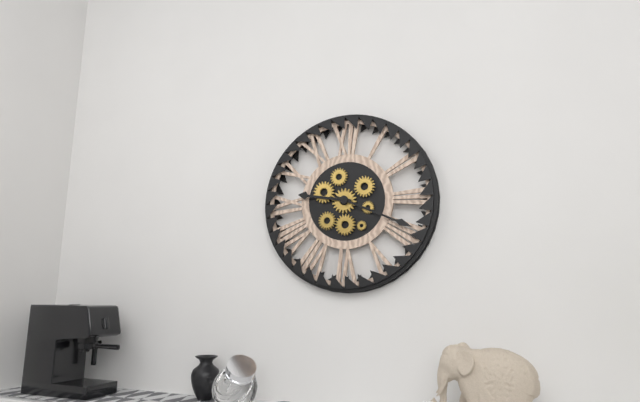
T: 9:19
